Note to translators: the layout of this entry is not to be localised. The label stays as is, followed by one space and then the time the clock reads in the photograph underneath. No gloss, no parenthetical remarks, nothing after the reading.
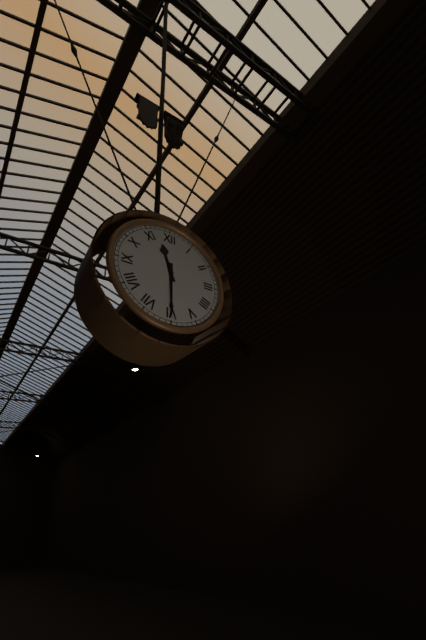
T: 11:30
